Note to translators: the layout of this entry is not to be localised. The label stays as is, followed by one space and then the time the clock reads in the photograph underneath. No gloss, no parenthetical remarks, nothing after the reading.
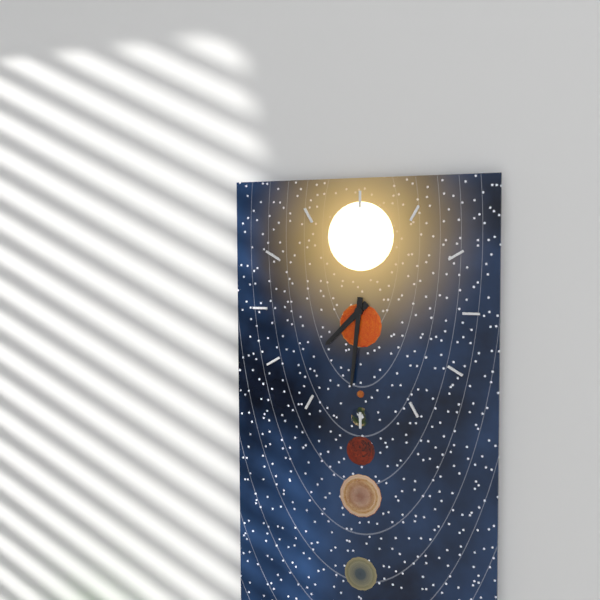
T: 7:31
